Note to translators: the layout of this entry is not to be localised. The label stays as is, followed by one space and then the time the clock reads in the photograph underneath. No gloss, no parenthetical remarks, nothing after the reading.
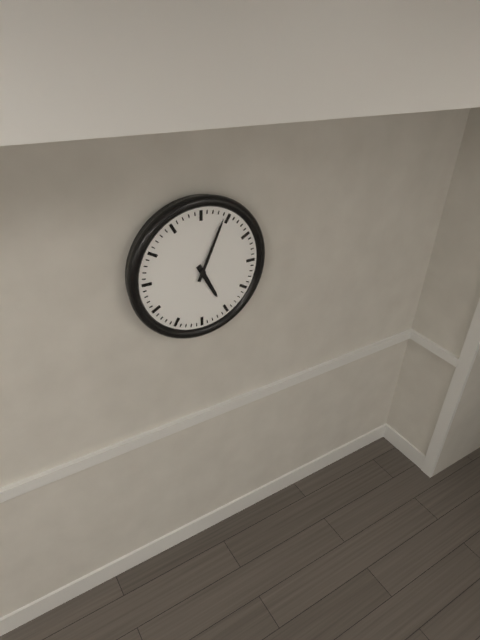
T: 5:04
